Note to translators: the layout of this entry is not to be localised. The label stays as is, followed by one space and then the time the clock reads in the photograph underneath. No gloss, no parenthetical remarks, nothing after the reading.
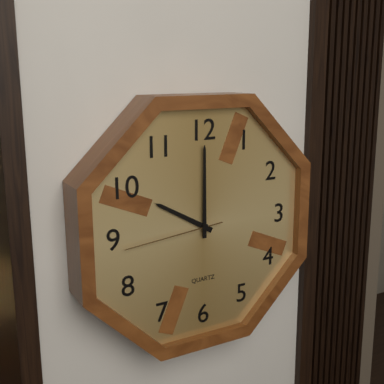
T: 10:00:44
